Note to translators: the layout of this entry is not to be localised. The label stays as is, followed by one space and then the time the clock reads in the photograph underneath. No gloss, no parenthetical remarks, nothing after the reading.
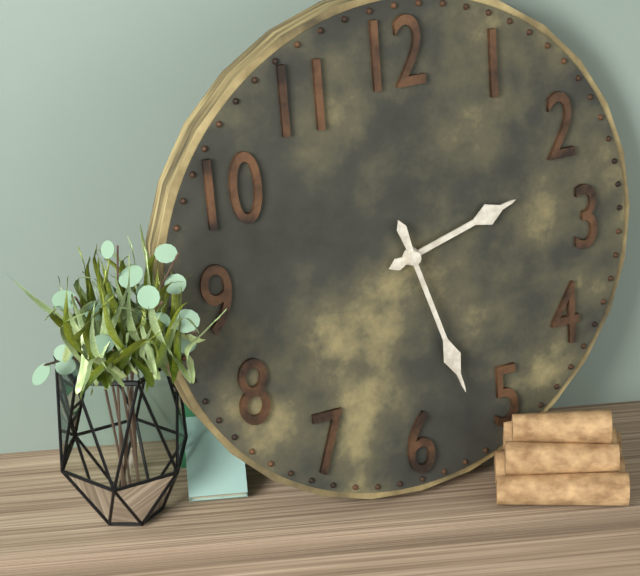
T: 2:27
